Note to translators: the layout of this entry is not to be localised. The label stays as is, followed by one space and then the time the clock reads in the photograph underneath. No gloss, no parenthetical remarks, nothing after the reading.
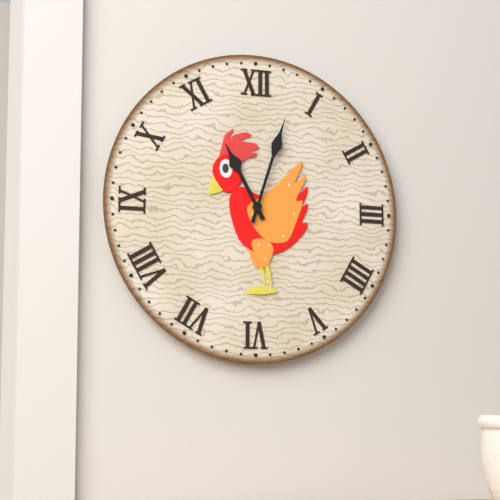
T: 11:03
